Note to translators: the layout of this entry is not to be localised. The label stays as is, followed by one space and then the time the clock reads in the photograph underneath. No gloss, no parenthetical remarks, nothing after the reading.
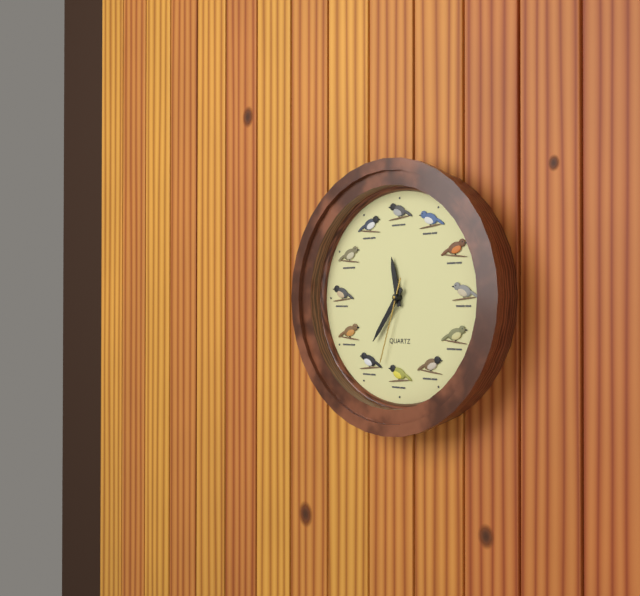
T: 11:36:33
